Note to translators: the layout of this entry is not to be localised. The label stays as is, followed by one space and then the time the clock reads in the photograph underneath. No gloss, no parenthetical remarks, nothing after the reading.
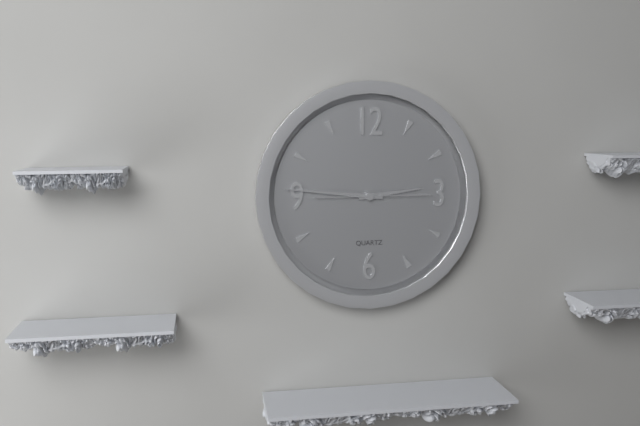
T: 2:46:15
